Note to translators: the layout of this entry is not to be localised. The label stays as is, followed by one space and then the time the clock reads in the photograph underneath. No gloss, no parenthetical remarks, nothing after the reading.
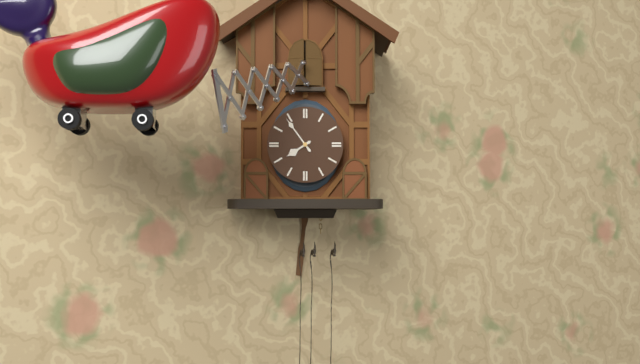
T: 7:54
